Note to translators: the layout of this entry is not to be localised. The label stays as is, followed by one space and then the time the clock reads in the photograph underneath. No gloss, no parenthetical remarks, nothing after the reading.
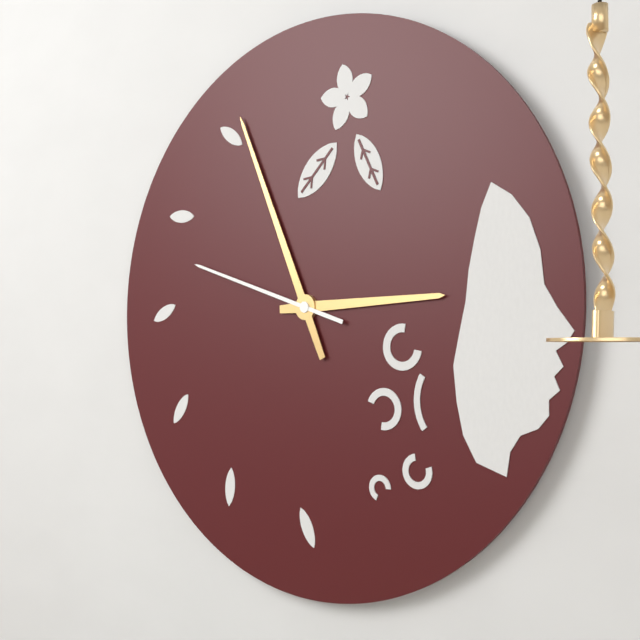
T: 2:56:48
